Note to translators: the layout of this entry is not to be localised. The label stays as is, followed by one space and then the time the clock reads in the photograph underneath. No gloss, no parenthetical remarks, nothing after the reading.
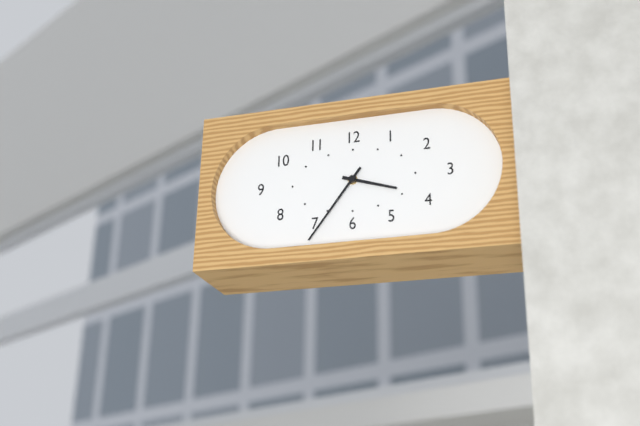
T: 3:36
